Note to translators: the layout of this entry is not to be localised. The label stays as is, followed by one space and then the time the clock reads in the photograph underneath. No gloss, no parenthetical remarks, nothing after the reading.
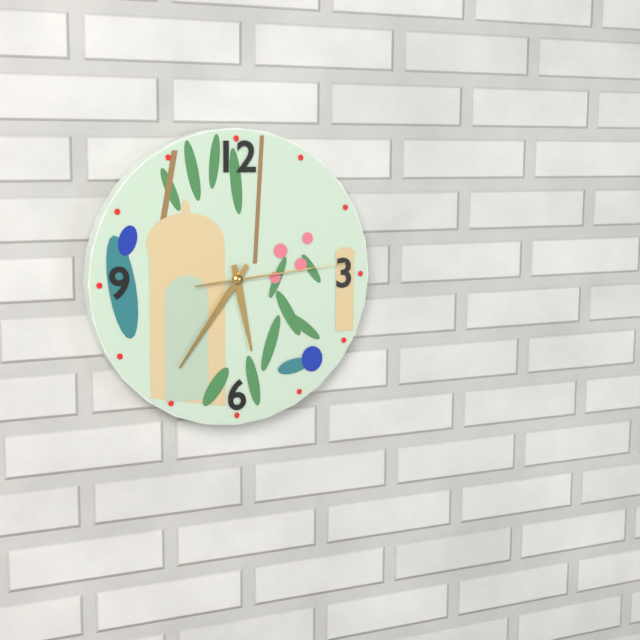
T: 5:36:14
